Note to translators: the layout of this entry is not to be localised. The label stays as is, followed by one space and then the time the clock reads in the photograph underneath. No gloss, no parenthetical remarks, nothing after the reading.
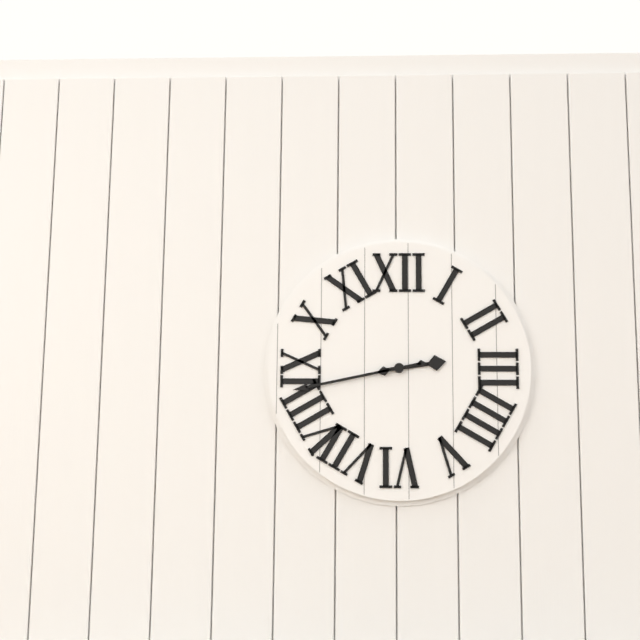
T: 2:43
